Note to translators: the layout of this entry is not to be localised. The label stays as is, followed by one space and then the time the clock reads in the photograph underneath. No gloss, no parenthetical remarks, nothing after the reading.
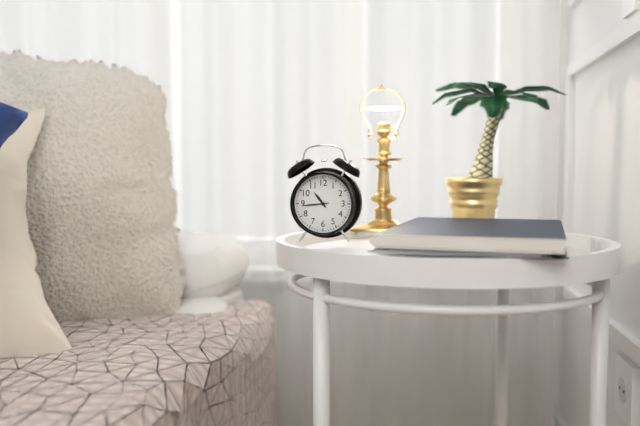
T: 10:44
